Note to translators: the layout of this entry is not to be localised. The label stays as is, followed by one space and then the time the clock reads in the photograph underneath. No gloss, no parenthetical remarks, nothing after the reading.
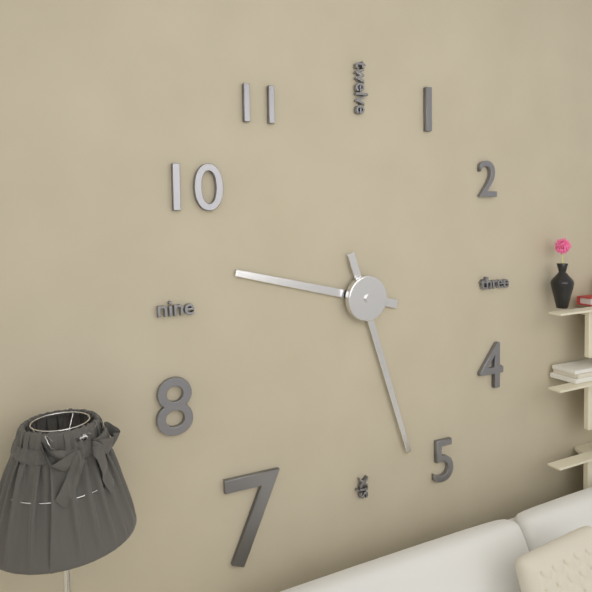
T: 9:27
